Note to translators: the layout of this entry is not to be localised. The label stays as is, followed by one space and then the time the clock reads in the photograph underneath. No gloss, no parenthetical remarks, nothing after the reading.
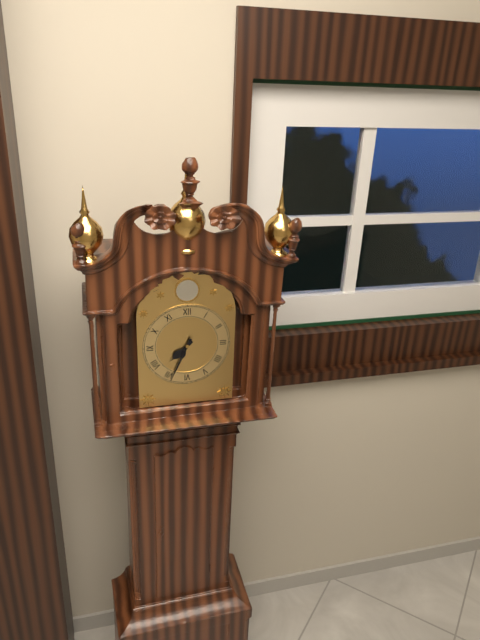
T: 7:34
